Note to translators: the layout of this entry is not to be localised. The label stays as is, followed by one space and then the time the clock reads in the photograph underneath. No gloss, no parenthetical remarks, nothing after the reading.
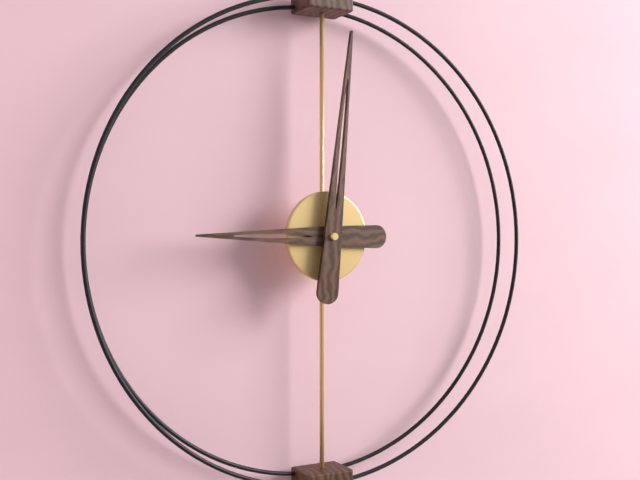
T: 9:01
